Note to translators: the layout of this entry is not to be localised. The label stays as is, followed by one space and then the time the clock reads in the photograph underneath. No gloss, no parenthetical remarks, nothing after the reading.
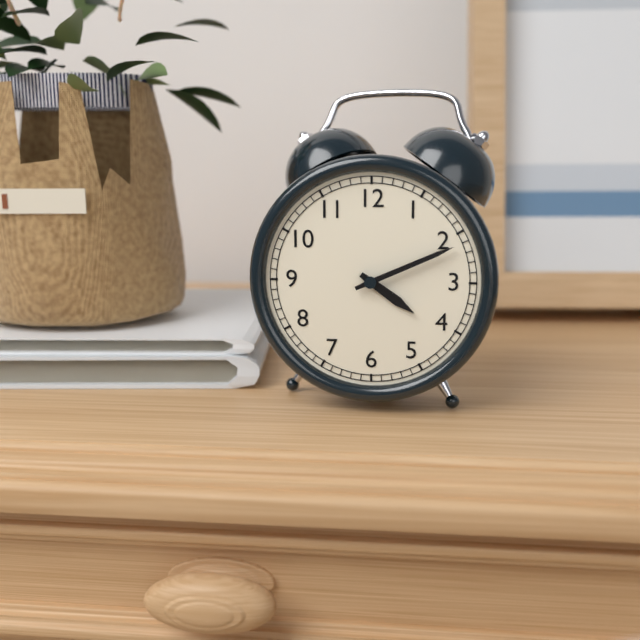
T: 4:11
